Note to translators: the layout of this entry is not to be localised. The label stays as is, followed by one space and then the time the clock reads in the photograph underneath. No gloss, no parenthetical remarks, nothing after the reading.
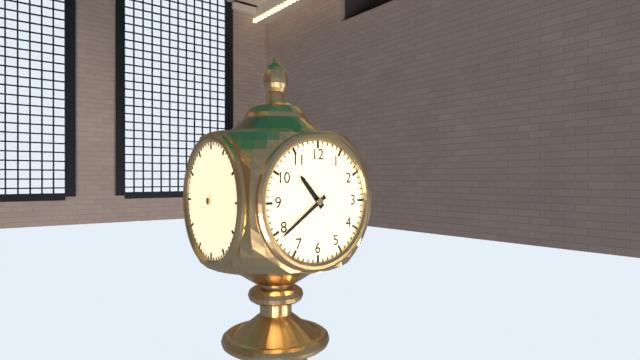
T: 10:39
